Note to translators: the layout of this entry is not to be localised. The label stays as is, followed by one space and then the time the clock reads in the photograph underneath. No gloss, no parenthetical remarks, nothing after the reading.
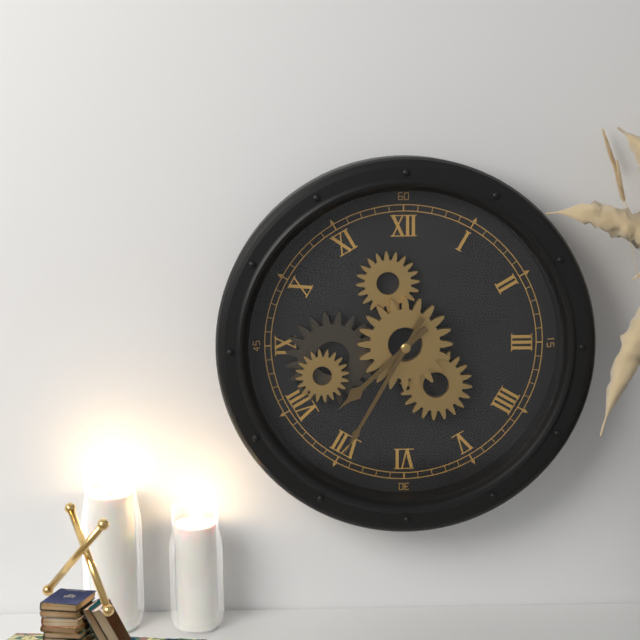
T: 7:35
